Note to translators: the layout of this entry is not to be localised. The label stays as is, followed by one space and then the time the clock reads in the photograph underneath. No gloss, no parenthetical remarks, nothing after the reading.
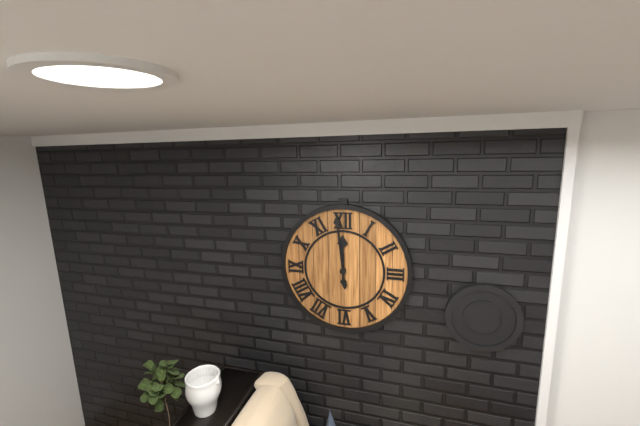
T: 11:59
